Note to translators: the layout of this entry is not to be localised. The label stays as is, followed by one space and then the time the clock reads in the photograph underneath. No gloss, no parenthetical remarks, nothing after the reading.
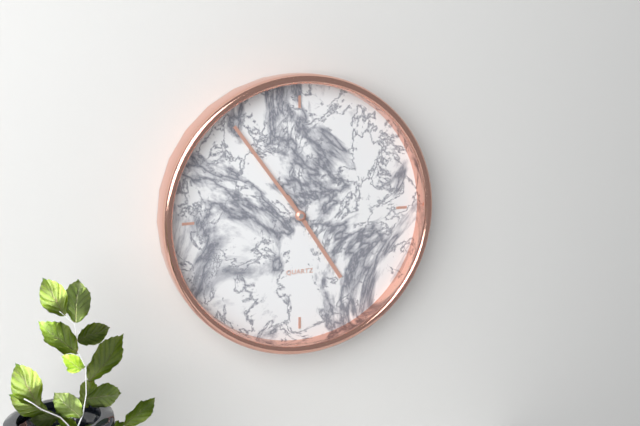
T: 4:54
